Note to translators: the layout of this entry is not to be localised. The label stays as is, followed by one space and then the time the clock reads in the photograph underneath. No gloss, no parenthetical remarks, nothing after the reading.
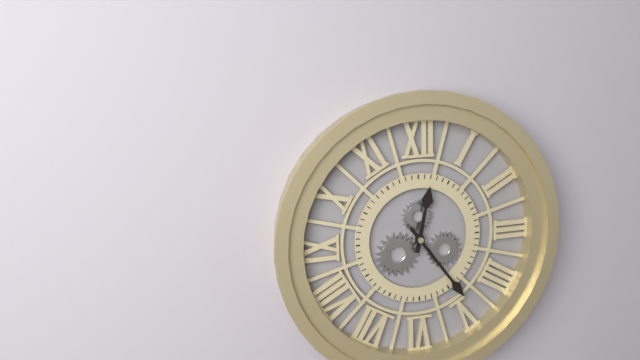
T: 12:24
